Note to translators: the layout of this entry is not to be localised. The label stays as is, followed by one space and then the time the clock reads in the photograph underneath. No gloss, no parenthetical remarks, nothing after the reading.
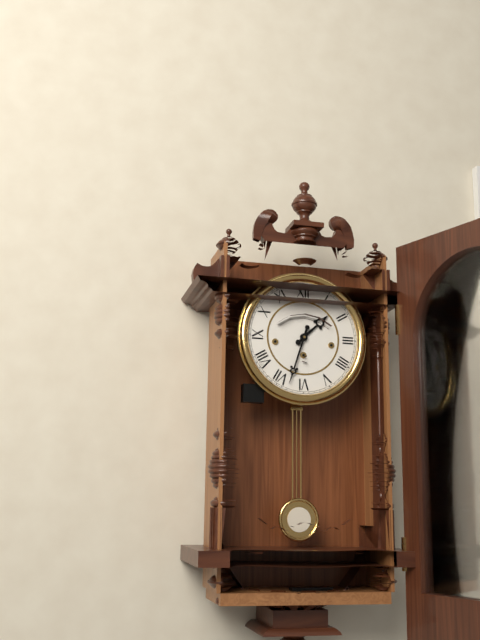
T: 1:33
